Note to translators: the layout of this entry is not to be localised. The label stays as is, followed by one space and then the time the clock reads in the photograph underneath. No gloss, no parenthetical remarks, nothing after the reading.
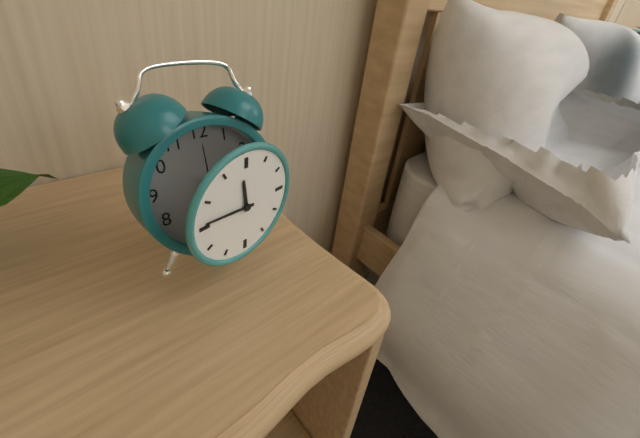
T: 11:46
